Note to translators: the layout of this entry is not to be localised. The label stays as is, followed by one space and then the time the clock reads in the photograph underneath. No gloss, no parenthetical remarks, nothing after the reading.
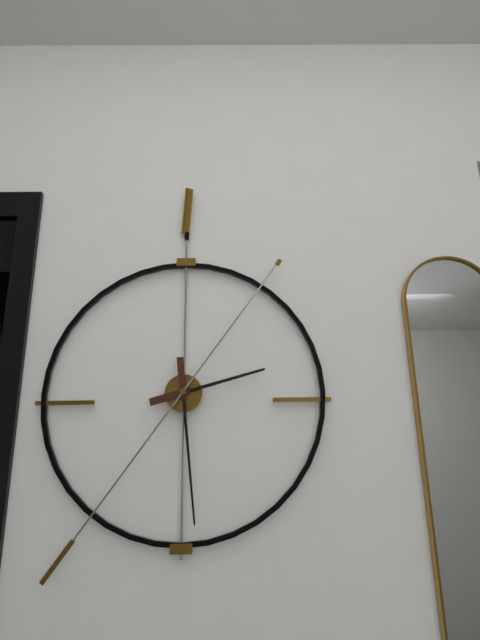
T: 2:29:36
